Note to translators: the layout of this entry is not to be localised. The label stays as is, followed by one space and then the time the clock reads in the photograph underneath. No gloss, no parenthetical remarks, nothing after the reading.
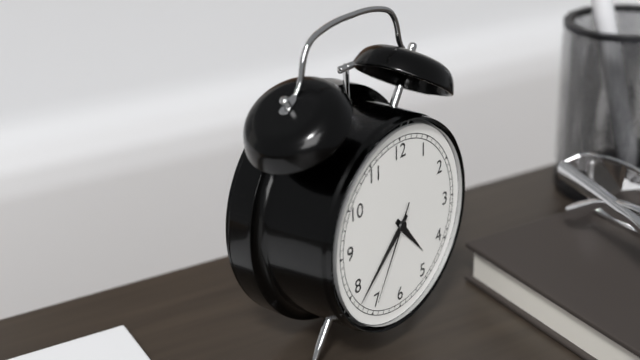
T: 4:38:35
